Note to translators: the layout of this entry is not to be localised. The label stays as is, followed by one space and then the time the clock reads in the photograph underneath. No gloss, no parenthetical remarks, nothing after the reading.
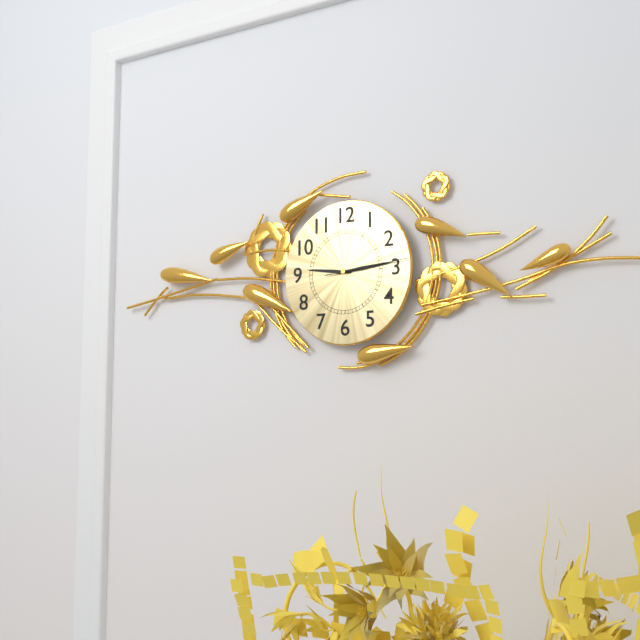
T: 9:14:14
